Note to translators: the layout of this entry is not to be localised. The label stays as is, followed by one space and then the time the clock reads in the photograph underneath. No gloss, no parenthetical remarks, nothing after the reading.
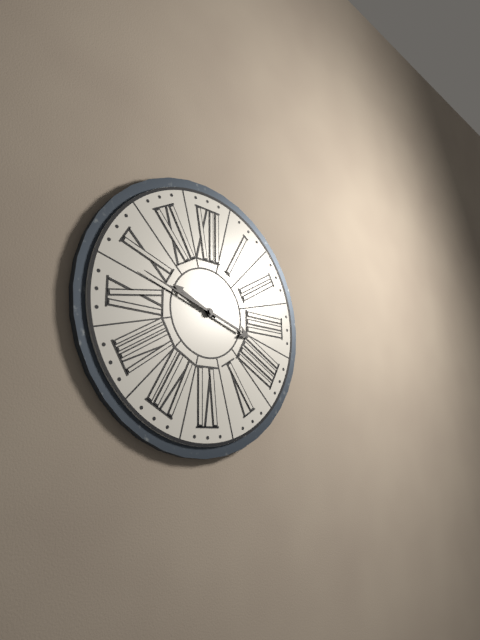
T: 9:48
